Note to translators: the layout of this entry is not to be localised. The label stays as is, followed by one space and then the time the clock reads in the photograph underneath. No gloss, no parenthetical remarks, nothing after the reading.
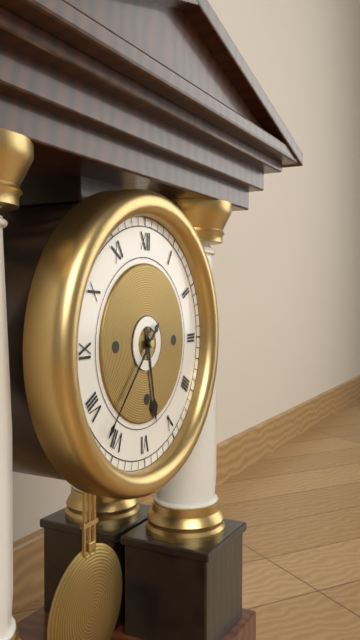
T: 5:37
